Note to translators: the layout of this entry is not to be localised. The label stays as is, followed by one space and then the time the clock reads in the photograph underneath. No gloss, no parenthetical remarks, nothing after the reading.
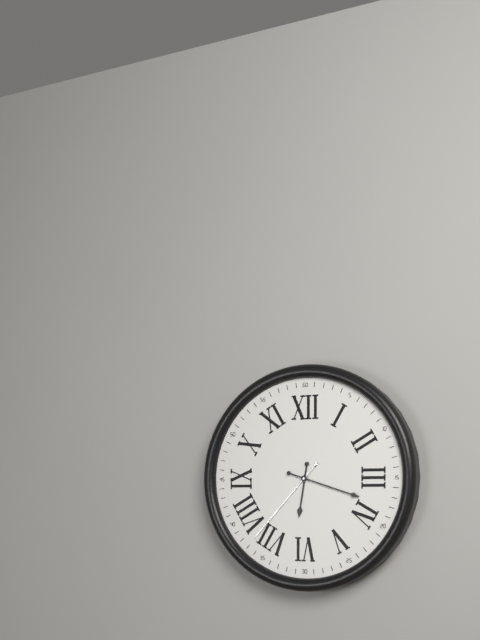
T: 6:18:37
